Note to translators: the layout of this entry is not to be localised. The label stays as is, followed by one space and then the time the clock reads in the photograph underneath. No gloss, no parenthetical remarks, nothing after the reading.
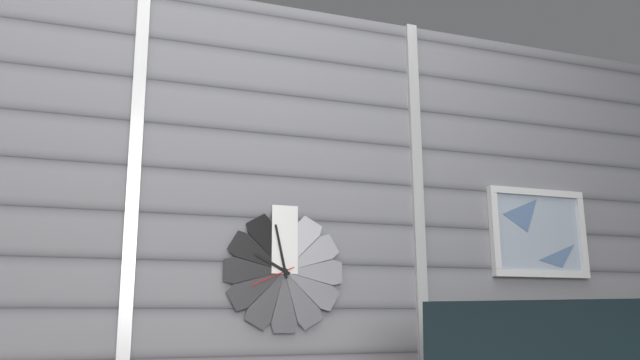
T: 9:58
